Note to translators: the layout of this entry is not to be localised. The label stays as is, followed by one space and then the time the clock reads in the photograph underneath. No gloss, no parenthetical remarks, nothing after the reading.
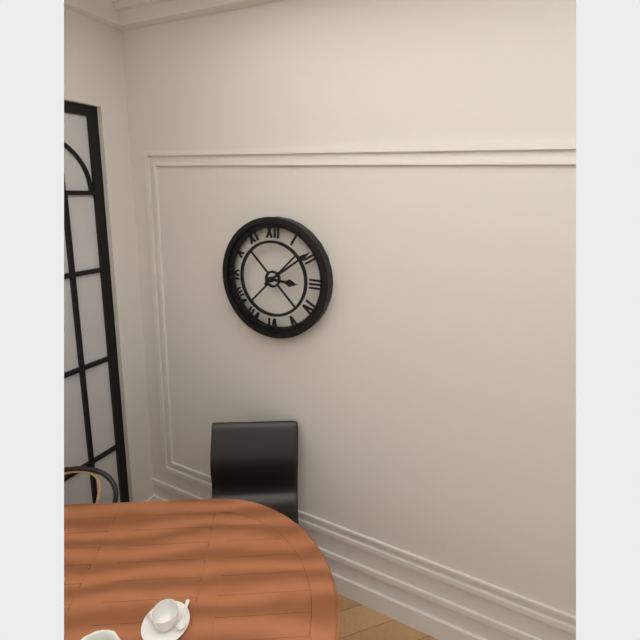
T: 3:09
